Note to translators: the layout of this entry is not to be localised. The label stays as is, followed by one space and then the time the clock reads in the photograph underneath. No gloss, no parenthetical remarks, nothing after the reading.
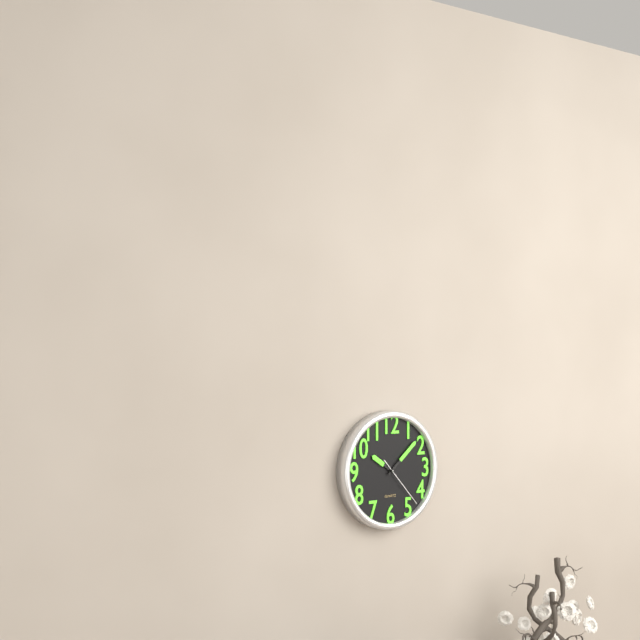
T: 10:08:23
